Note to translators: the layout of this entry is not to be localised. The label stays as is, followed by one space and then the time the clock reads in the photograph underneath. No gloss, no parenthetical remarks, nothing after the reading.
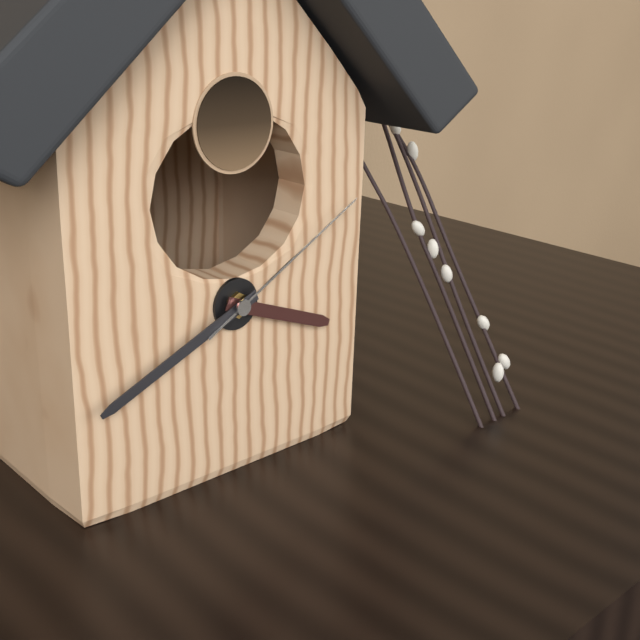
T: 3:41:10
